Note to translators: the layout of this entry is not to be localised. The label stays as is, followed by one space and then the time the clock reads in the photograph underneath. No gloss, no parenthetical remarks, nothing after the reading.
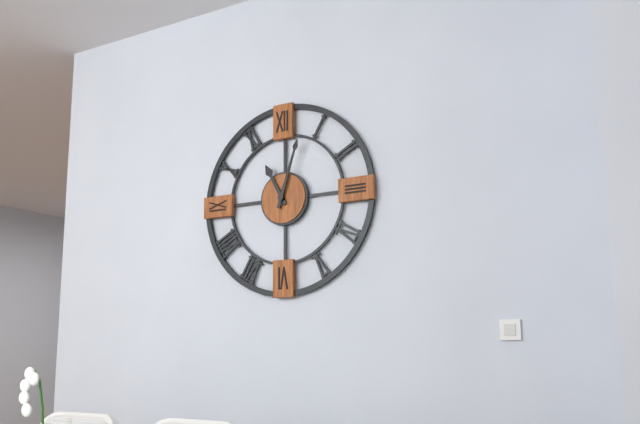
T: 11:03
